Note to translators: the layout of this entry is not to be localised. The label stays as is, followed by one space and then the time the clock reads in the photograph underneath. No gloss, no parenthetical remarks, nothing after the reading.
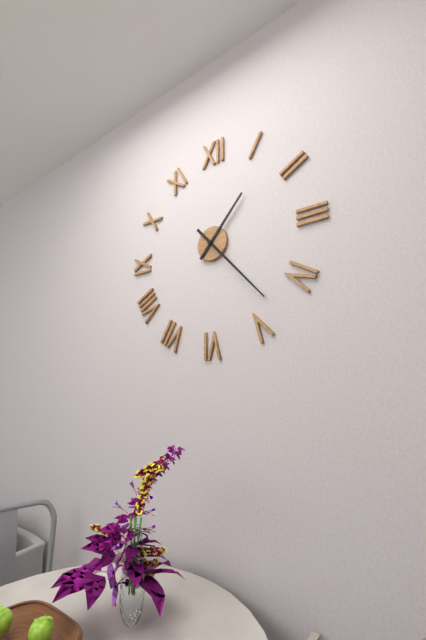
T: 1:23
